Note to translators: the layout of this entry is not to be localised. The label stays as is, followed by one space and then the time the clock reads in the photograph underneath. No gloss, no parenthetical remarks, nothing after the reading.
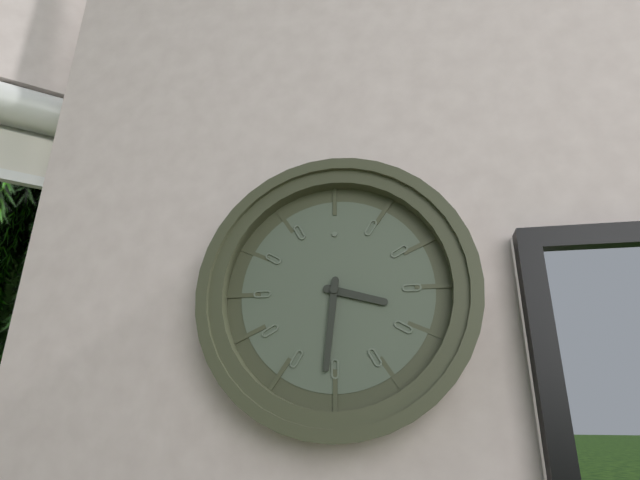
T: 3:31
